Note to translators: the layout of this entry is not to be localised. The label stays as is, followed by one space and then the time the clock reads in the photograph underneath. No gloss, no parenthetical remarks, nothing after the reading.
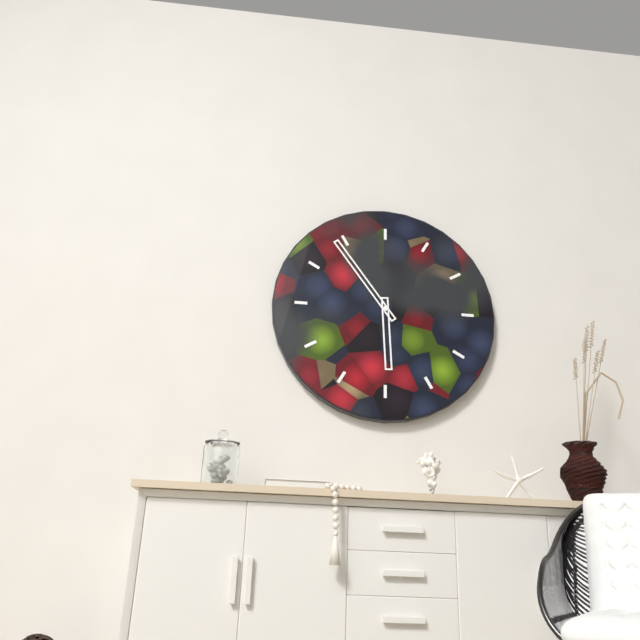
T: 5:54
